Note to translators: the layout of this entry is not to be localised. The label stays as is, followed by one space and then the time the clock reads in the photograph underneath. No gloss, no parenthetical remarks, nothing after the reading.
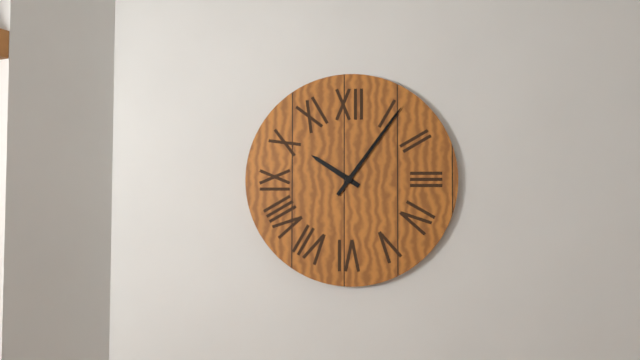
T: 10:06
